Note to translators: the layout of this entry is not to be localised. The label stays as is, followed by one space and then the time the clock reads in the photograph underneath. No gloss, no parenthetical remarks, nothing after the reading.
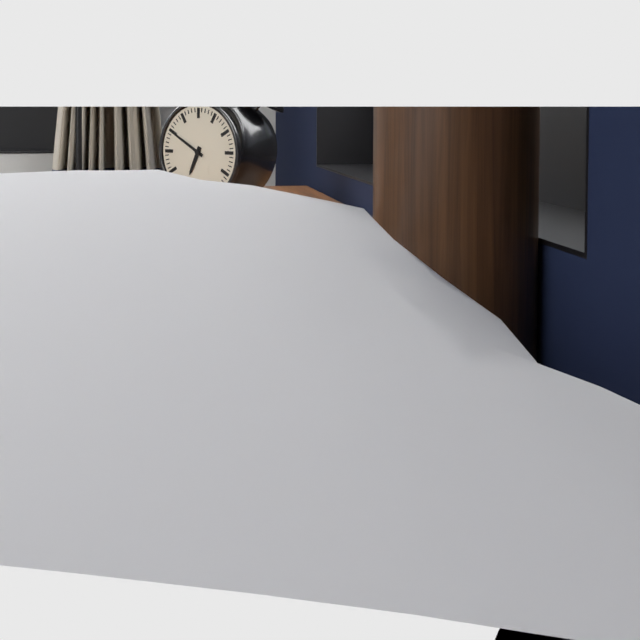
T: 6:50
